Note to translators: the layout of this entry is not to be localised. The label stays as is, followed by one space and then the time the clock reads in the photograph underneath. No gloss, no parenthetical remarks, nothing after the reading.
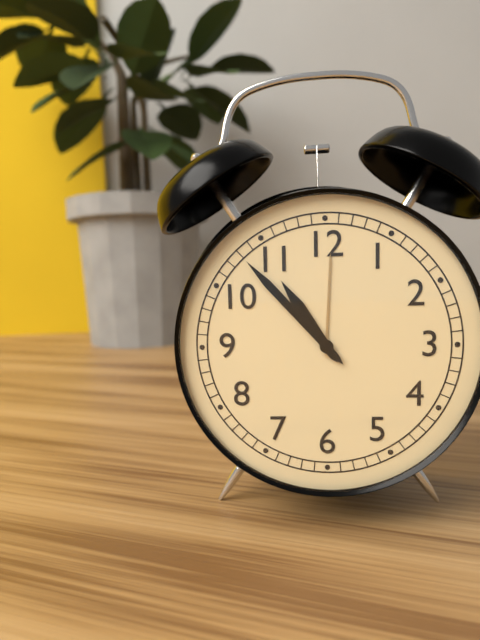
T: 10:53
